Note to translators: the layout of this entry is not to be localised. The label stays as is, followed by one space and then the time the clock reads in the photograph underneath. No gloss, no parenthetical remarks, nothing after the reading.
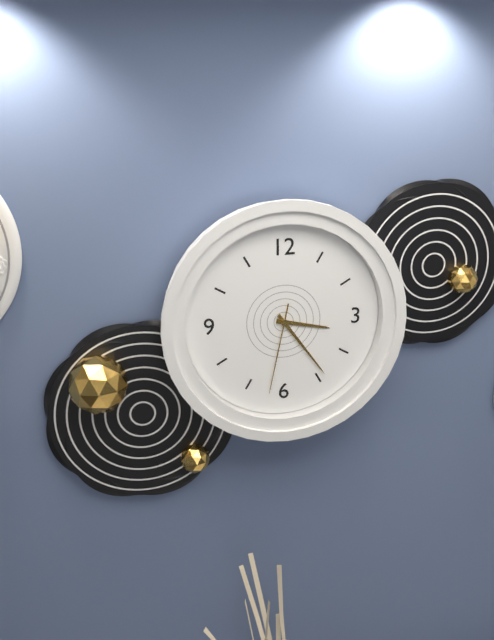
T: 3:24:32
